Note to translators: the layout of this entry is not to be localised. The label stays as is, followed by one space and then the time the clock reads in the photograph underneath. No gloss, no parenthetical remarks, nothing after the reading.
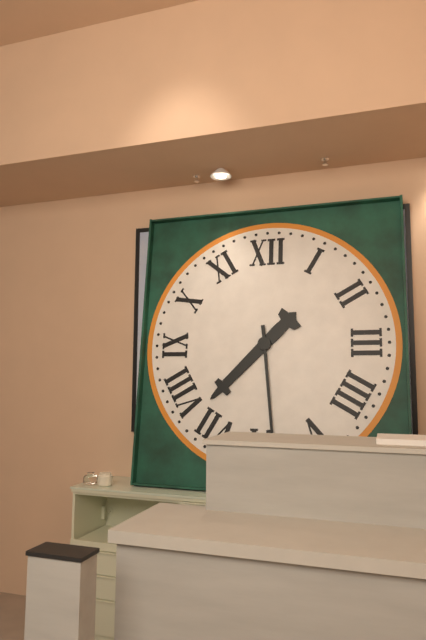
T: 7:29
